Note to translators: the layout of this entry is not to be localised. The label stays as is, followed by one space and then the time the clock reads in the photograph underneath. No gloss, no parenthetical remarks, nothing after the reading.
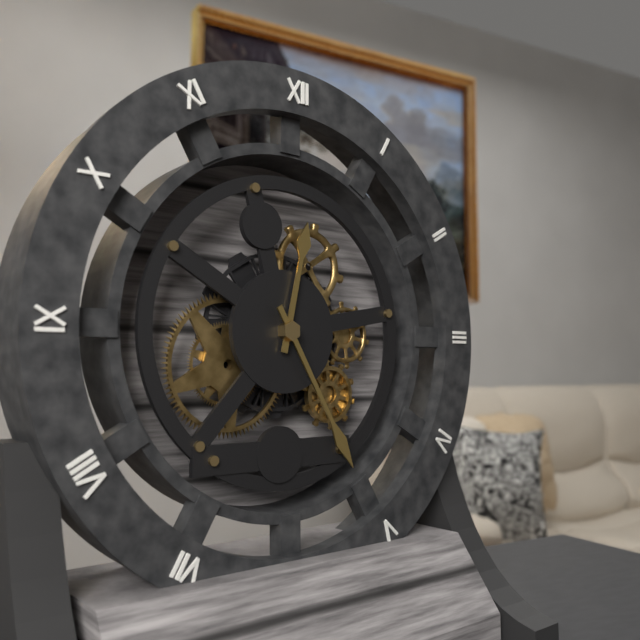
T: 12:25
